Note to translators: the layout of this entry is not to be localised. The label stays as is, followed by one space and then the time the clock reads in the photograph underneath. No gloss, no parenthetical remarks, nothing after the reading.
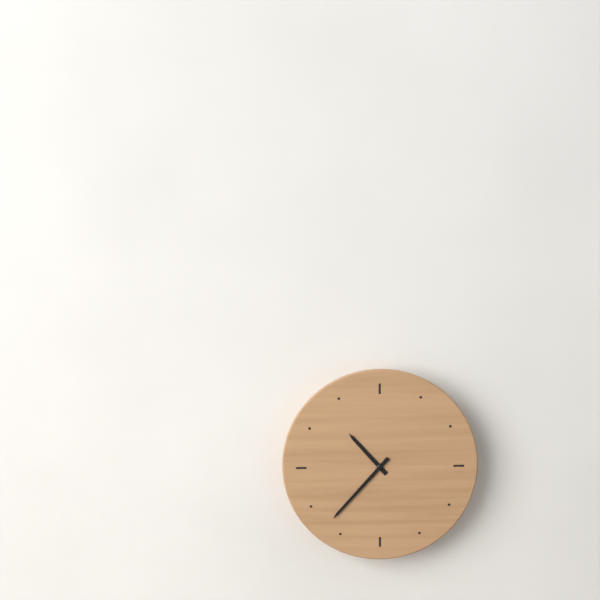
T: 10:37
